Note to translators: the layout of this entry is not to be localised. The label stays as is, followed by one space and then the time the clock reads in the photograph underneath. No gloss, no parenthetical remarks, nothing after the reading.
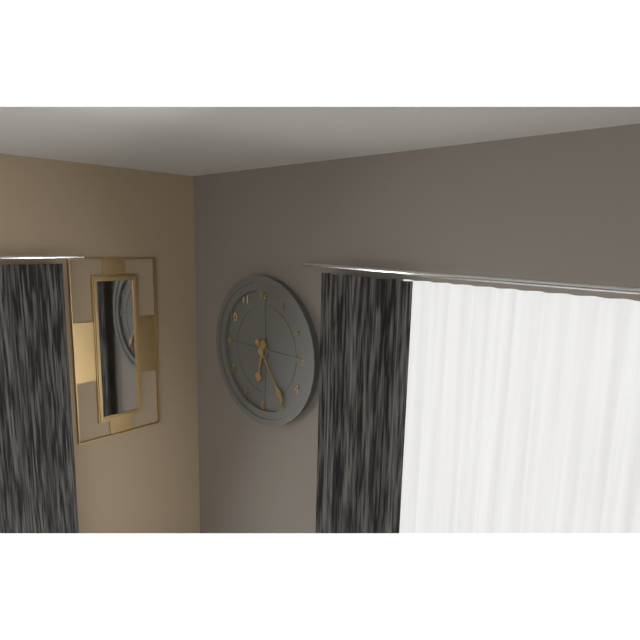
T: 6:24
